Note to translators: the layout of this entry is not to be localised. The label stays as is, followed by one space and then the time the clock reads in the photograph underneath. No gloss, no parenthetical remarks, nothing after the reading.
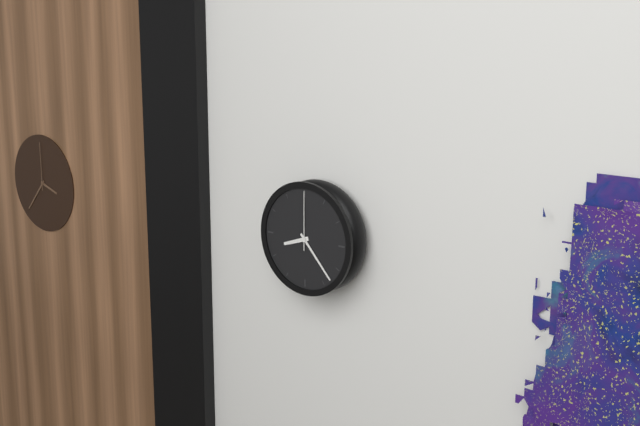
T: 8:23:00
